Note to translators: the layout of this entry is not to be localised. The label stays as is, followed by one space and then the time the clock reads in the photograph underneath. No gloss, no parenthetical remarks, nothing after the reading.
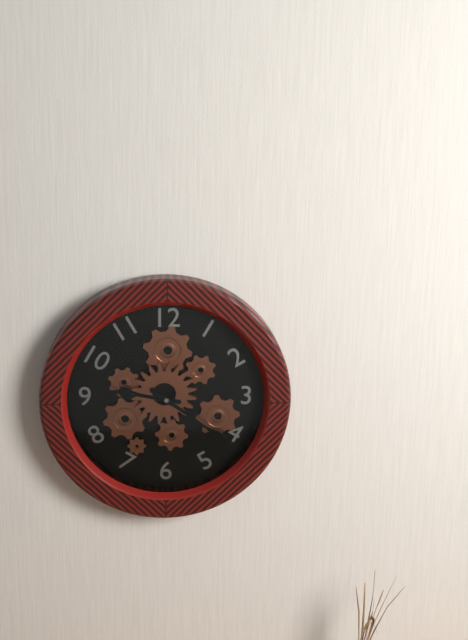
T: 9:21
